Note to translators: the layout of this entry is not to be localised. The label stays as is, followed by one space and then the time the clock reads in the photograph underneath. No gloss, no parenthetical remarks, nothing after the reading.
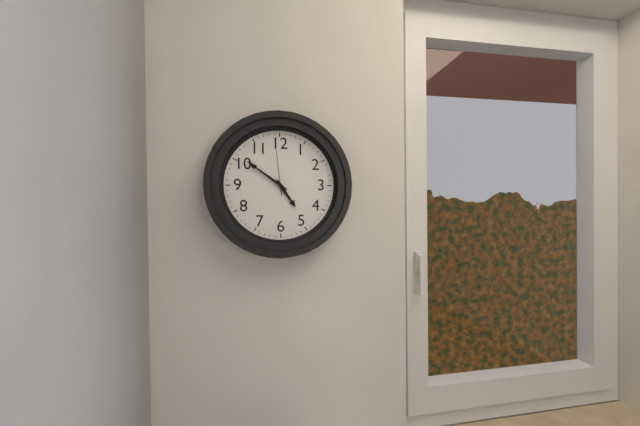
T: 4:51:59
